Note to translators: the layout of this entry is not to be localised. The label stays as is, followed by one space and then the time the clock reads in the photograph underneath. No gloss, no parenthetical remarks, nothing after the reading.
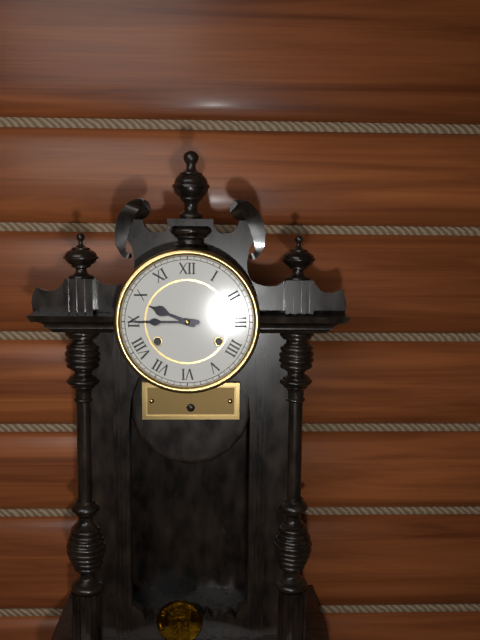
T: 9:45
